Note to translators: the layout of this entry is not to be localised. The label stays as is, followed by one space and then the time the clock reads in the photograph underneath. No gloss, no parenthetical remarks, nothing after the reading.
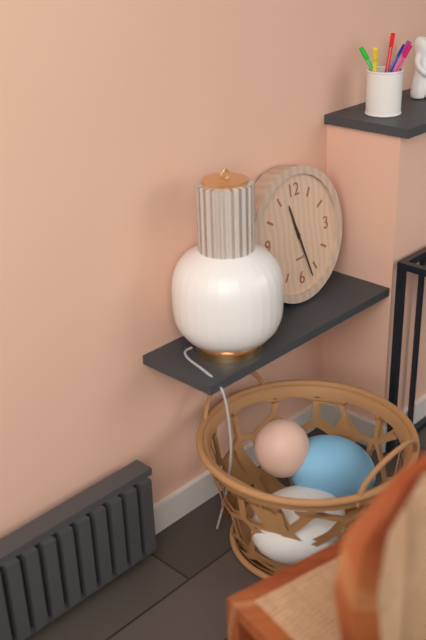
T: 11:27
